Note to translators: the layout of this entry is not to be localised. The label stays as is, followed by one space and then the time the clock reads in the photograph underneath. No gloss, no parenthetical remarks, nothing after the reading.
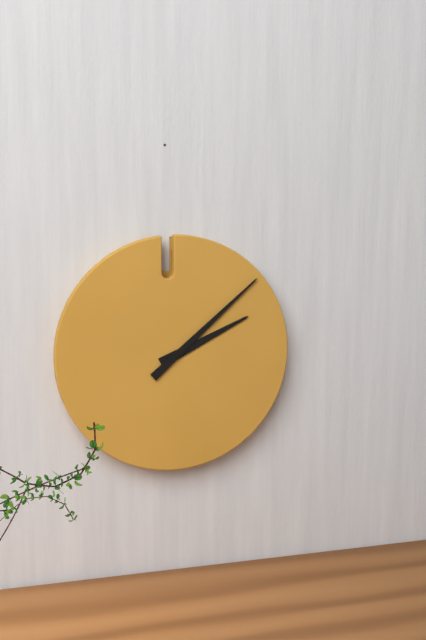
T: 2:08
